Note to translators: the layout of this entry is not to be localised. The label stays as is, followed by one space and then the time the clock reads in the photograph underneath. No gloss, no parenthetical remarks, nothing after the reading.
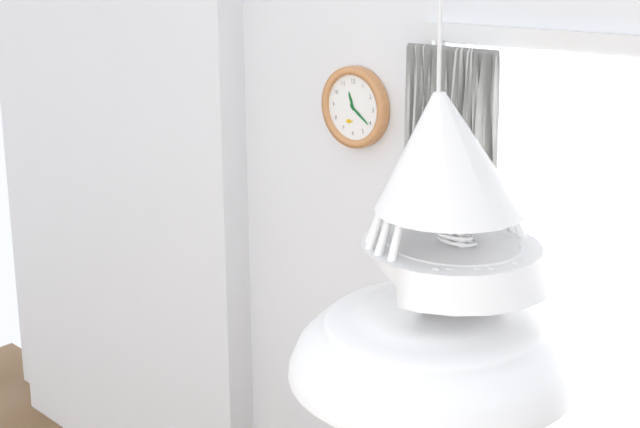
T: 11:21
